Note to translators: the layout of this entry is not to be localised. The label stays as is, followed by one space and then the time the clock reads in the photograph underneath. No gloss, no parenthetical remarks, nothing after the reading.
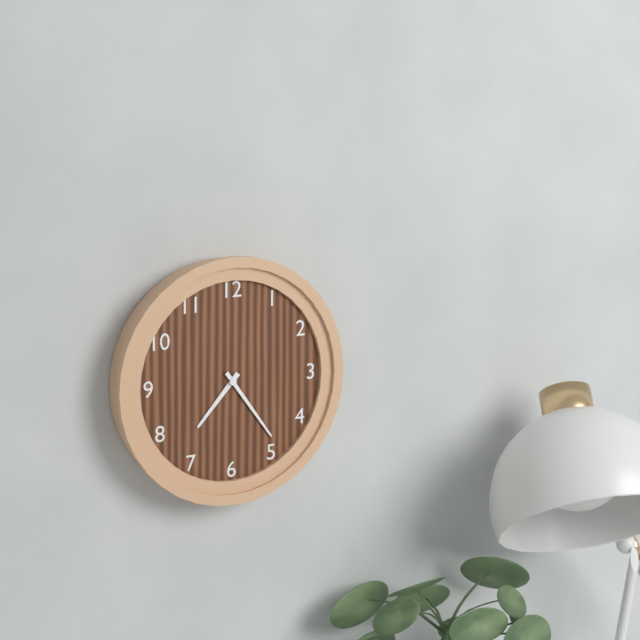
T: 7:24
